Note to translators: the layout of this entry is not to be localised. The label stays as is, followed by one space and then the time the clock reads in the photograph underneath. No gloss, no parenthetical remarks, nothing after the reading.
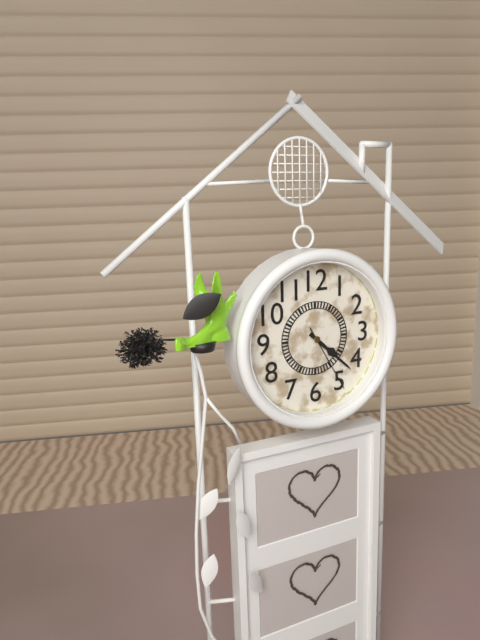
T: 4:22:25
